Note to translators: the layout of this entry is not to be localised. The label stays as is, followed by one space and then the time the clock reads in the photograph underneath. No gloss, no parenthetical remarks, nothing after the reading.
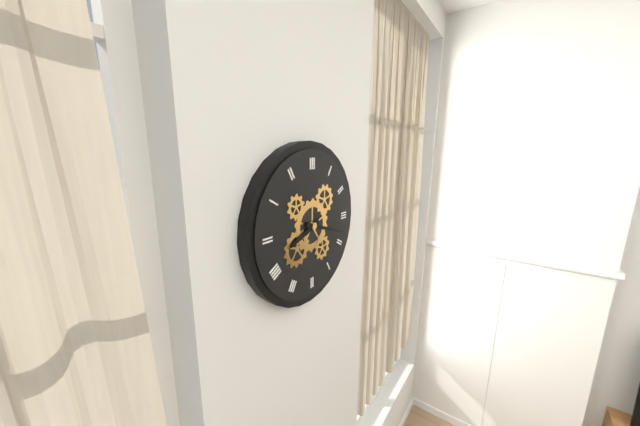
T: 8:18
